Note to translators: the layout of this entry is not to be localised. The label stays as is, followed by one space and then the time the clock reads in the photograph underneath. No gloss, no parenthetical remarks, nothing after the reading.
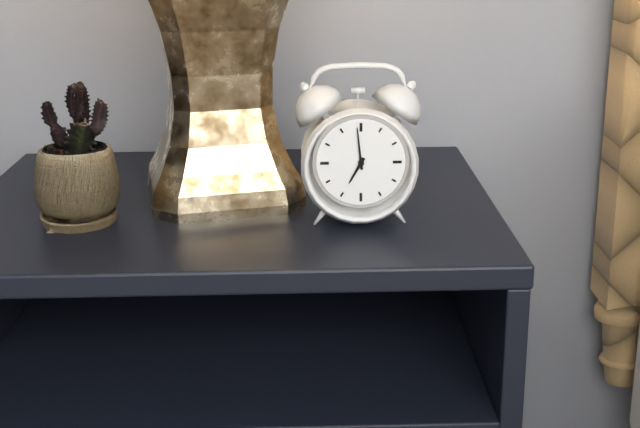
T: 6:59
